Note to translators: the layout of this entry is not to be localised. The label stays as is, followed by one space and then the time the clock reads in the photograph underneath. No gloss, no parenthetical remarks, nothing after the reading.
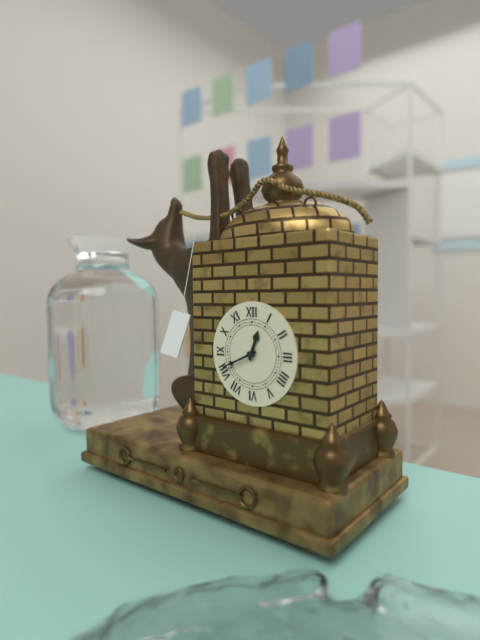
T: 12:41
